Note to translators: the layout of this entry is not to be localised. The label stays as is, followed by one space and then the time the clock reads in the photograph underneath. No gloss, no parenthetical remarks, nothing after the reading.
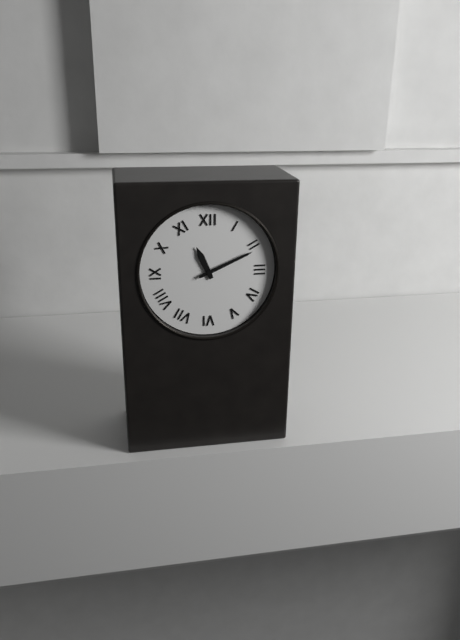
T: 11:11
